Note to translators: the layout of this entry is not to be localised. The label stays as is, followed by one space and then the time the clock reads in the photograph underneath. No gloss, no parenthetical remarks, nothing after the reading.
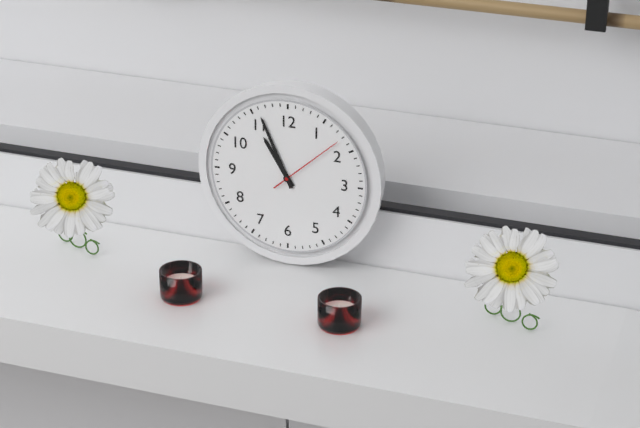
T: 10:56:08
